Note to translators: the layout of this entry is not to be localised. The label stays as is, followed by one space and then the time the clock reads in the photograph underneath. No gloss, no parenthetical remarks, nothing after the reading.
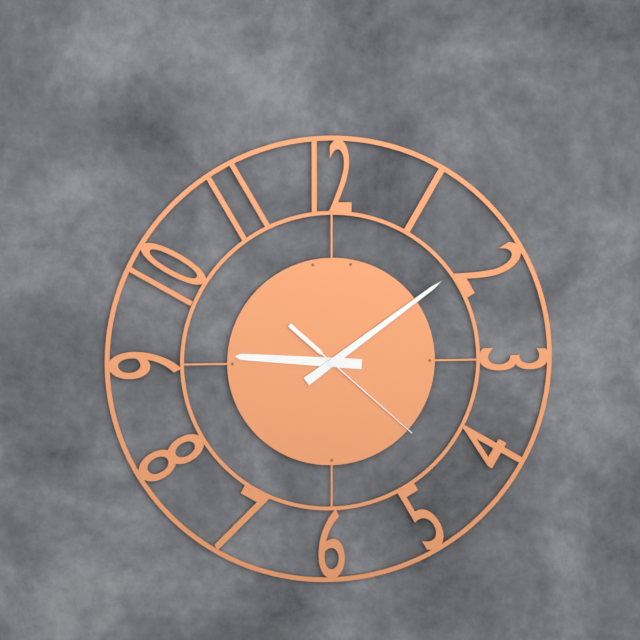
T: 9:09:22
